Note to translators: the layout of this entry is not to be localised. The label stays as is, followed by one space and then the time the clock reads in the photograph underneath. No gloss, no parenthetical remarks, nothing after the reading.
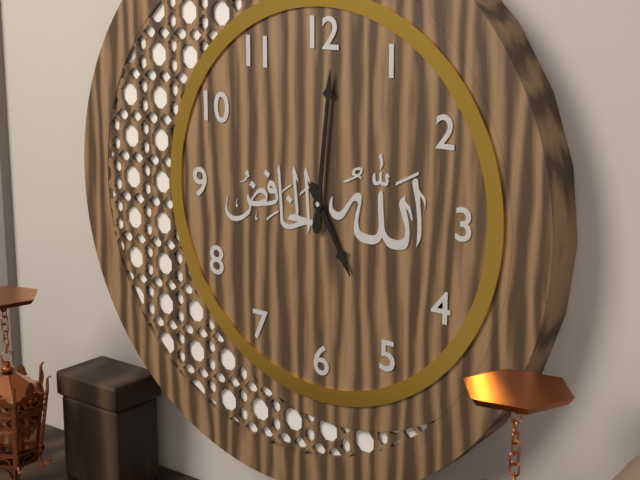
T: 5:01
